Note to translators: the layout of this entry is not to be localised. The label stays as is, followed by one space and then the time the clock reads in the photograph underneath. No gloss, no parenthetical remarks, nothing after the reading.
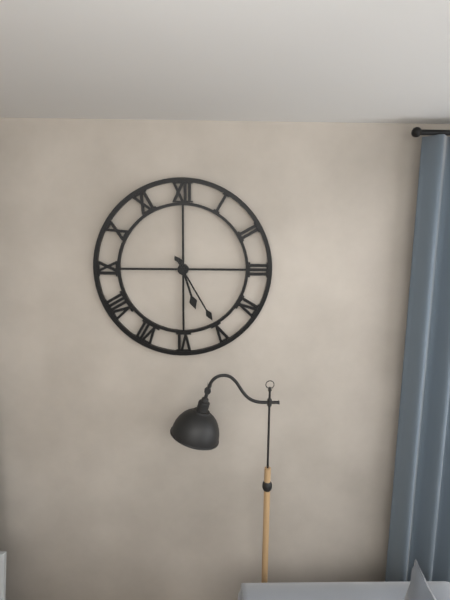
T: 5:25
